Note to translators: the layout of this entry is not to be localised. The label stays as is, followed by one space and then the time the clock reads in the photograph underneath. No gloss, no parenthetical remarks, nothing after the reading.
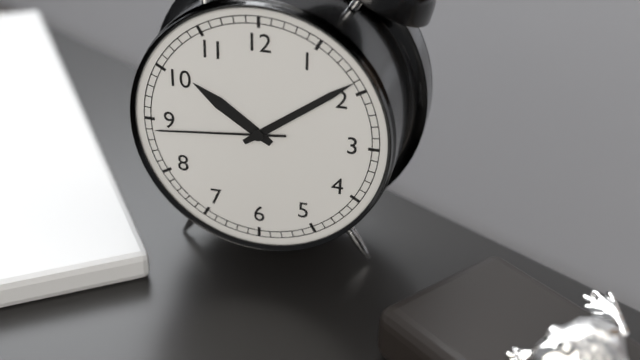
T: 10:09:44
